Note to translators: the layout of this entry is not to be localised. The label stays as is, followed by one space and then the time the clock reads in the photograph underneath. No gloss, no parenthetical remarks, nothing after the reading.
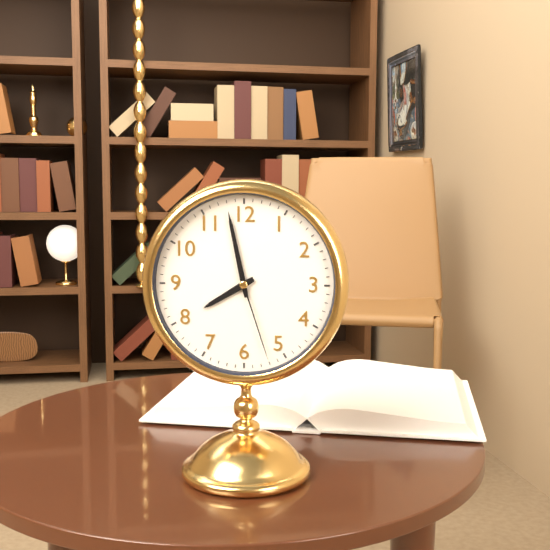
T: 7:58:27
